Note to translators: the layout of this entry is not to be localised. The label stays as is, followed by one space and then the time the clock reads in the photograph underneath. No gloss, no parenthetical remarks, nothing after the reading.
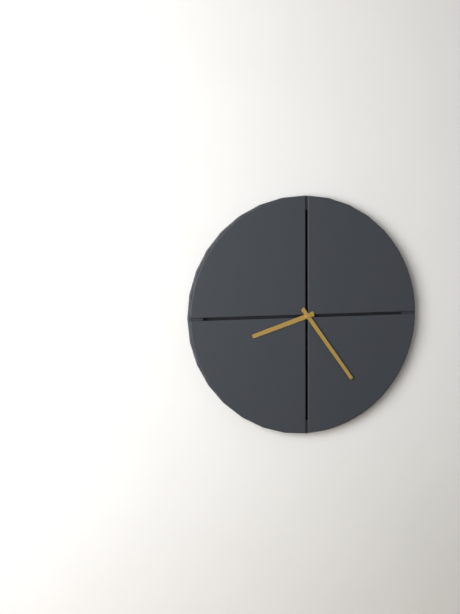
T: 8:24
